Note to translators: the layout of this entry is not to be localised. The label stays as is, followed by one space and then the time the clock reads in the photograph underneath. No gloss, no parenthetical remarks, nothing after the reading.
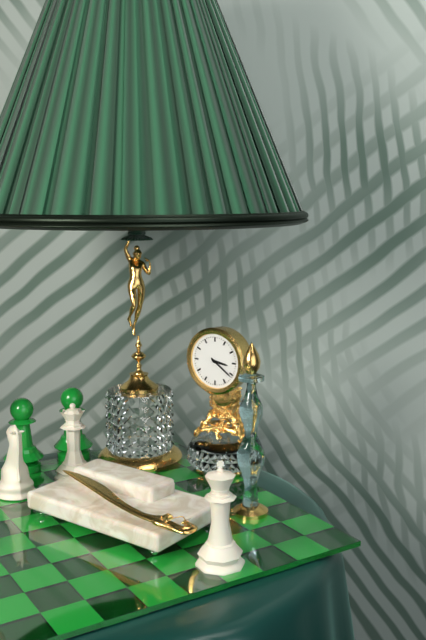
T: 3:21
